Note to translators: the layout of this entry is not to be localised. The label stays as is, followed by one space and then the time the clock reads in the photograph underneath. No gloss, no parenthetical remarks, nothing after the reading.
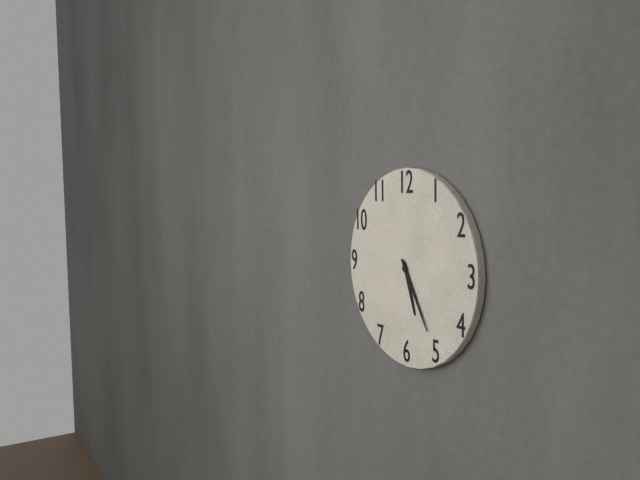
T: 5:25
